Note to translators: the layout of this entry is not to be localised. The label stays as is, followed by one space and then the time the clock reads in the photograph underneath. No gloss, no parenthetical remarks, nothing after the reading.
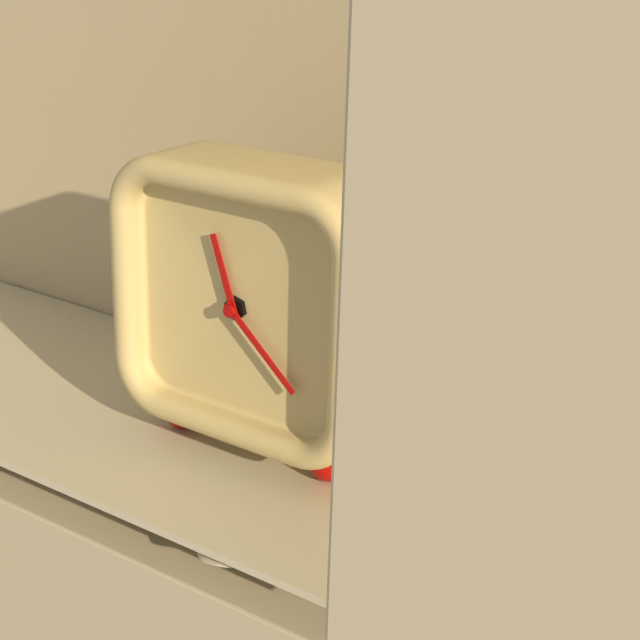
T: 11:22
